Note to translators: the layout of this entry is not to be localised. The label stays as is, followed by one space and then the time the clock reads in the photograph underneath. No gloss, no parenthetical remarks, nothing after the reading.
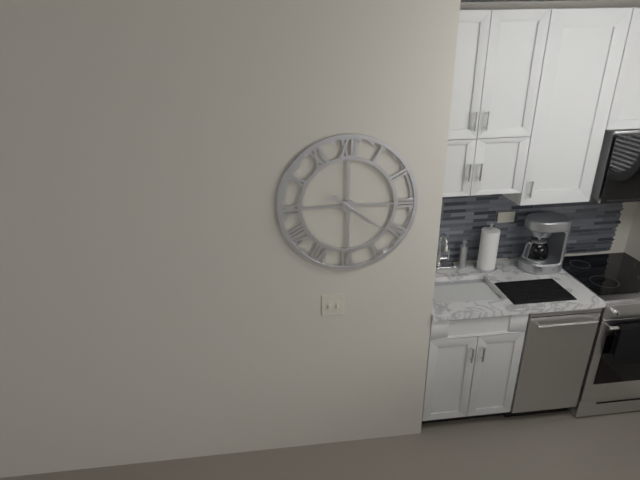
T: 4:21
